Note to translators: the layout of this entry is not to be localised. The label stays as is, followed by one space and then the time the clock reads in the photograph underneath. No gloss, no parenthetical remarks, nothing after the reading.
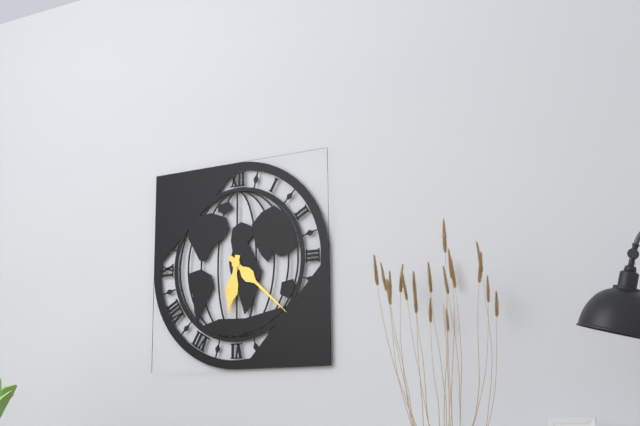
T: 6:22
